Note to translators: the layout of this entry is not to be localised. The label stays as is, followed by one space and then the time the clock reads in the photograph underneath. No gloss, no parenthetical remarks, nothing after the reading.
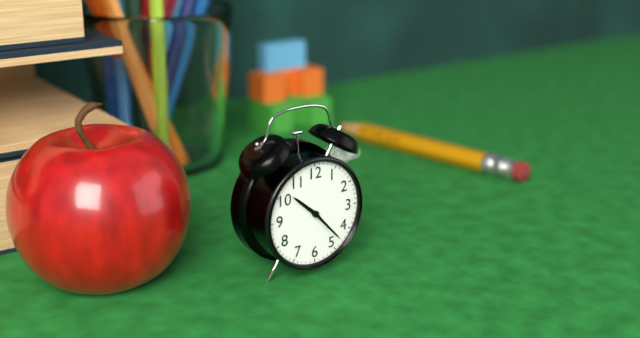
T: 10:23
